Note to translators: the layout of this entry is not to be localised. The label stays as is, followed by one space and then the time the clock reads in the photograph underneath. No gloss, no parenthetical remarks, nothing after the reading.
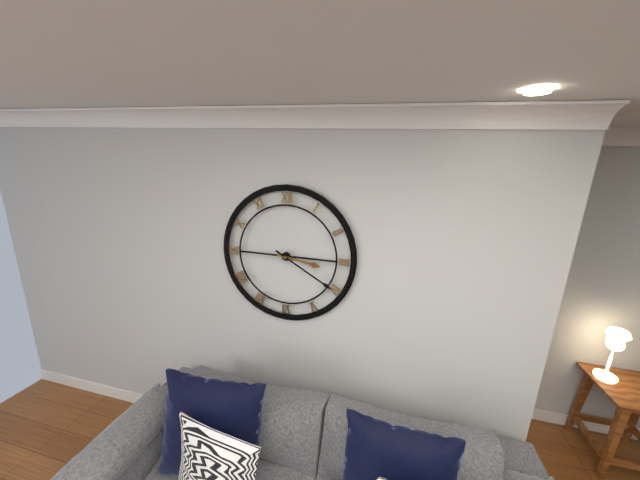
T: 3:20
